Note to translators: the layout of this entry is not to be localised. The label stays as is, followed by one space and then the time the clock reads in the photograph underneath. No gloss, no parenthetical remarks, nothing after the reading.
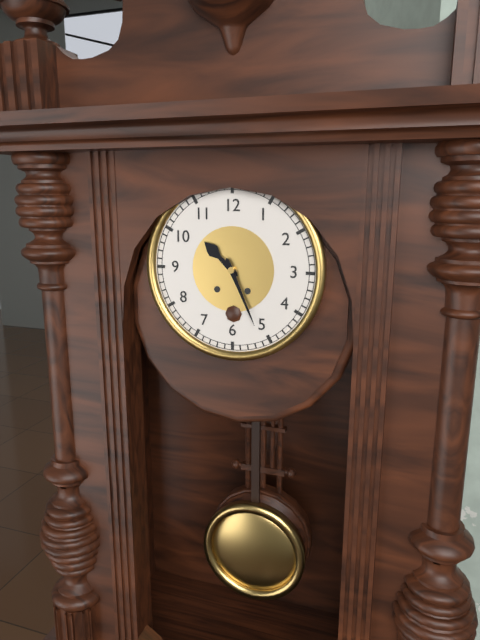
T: 10:26
